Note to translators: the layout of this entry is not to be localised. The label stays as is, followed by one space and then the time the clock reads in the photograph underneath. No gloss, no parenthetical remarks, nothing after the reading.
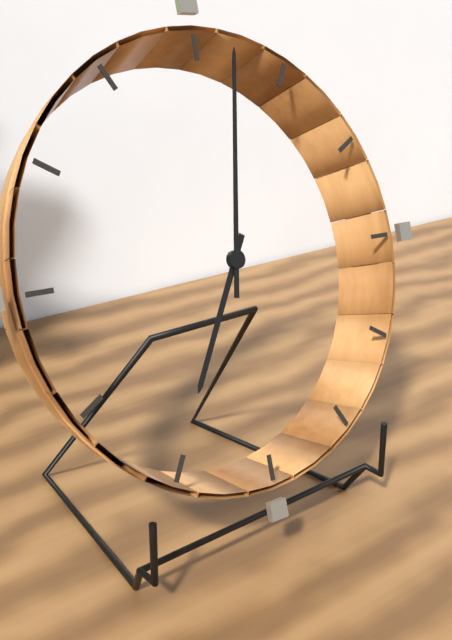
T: 7:02
